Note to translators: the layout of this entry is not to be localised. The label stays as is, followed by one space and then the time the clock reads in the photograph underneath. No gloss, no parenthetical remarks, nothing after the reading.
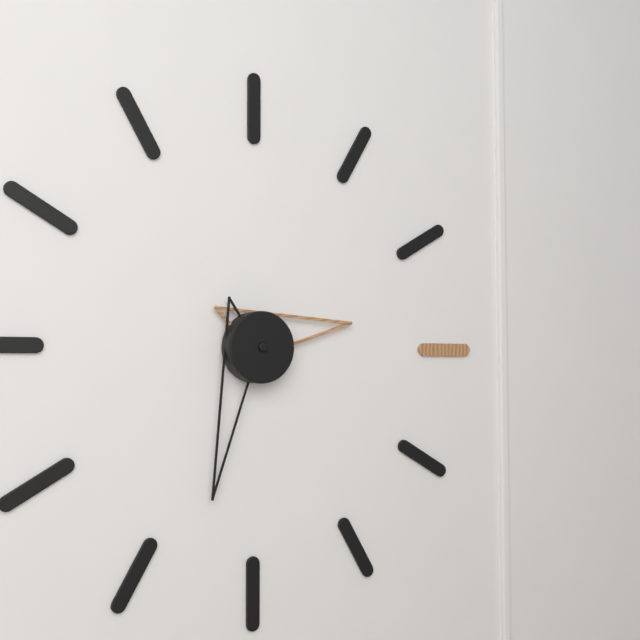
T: 2:33
